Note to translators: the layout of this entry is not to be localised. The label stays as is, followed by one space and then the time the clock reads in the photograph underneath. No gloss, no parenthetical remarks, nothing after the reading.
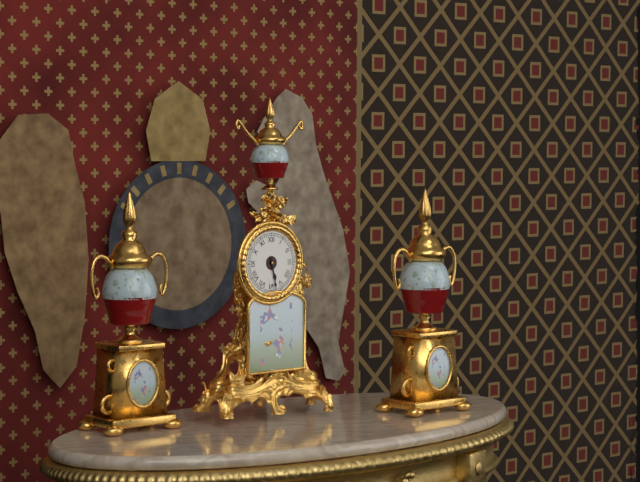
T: 5:28
